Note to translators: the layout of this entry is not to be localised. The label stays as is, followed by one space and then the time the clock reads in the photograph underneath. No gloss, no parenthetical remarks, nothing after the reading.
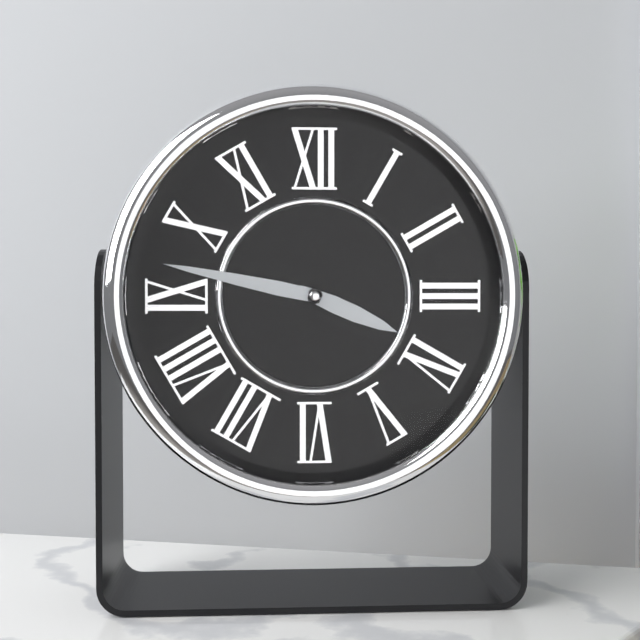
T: 3:47
